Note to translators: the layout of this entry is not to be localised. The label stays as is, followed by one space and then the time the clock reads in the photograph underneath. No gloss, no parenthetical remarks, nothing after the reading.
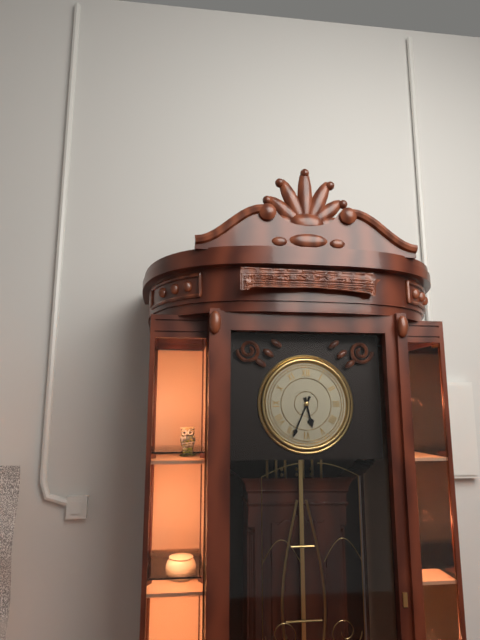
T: 5:34
